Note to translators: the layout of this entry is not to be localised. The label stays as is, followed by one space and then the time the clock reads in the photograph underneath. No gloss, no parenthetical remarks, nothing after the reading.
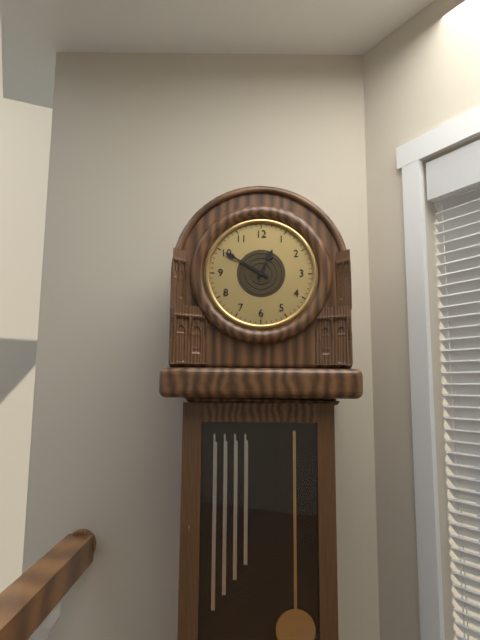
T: 12:50
